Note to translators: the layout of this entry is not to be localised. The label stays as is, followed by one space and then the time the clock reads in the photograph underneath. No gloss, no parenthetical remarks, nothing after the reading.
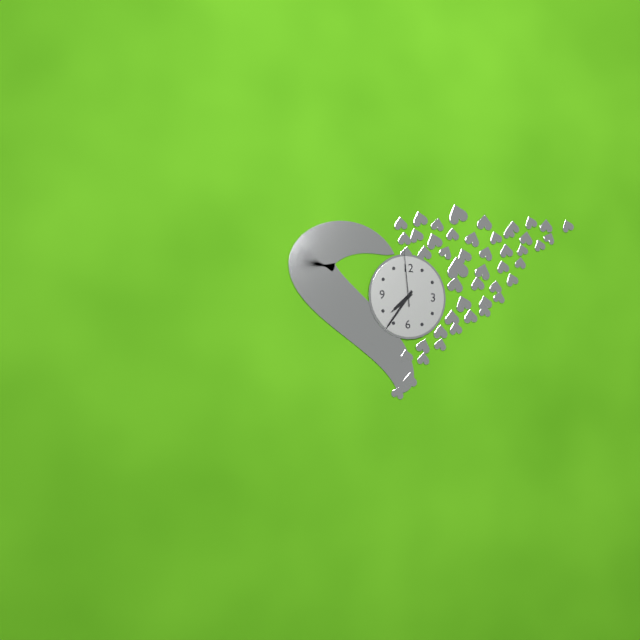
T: 7:36:59
